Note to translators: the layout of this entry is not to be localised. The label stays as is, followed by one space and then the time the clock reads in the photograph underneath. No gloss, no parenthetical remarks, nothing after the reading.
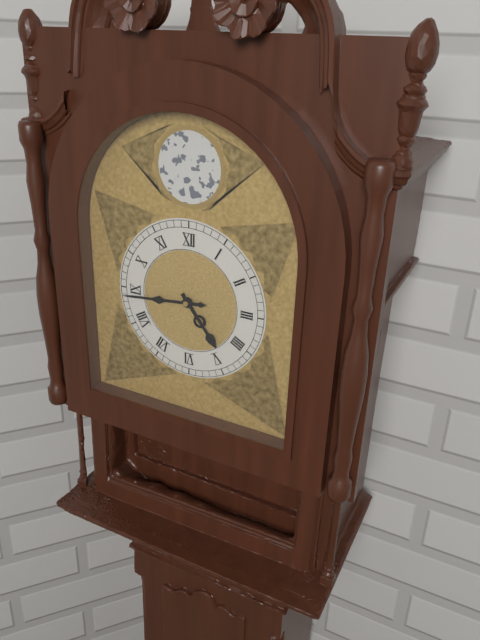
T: 4:44
